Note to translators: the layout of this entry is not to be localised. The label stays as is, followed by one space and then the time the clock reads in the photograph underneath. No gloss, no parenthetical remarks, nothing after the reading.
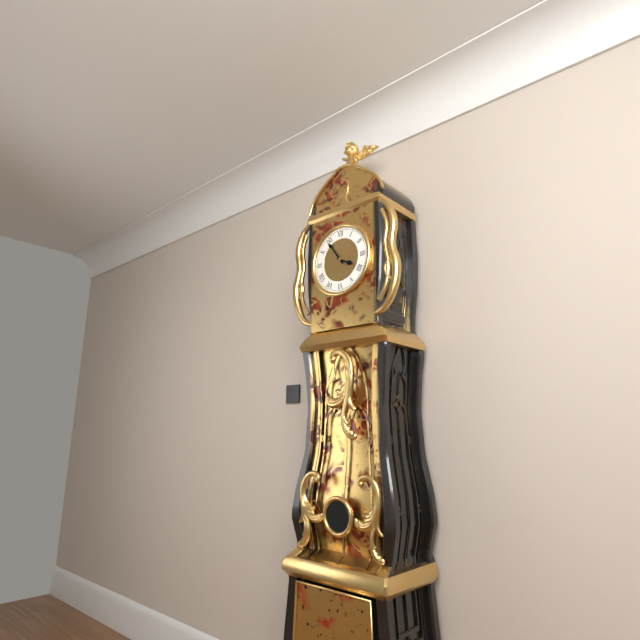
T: 3:54
